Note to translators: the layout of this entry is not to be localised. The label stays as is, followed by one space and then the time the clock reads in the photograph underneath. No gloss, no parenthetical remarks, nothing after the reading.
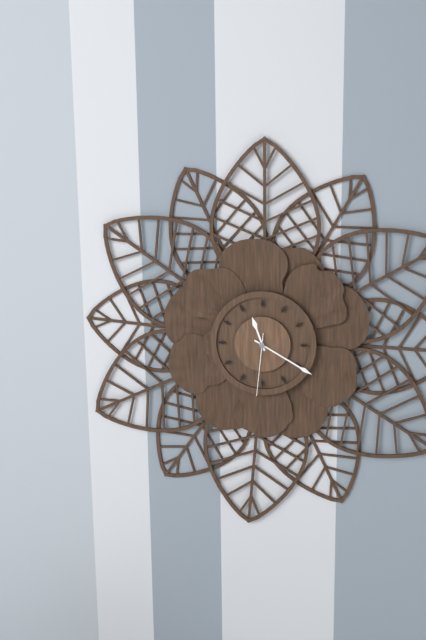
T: 11:20:31
